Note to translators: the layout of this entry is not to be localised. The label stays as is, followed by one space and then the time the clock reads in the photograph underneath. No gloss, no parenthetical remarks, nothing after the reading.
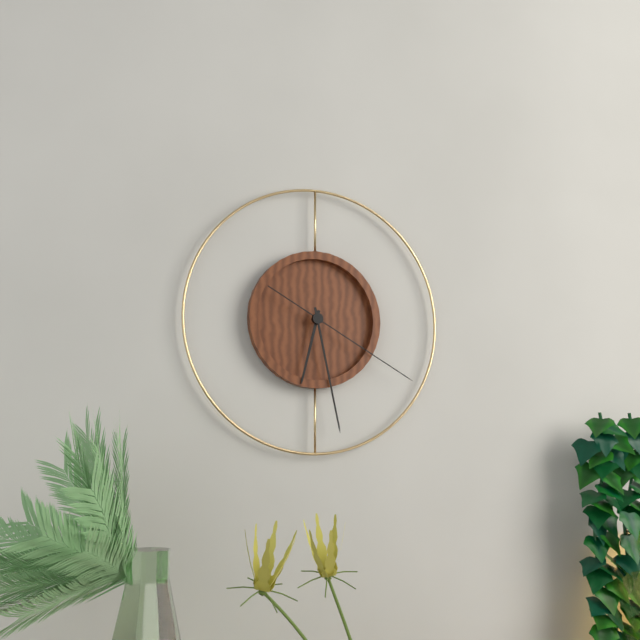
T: 6:28:20
